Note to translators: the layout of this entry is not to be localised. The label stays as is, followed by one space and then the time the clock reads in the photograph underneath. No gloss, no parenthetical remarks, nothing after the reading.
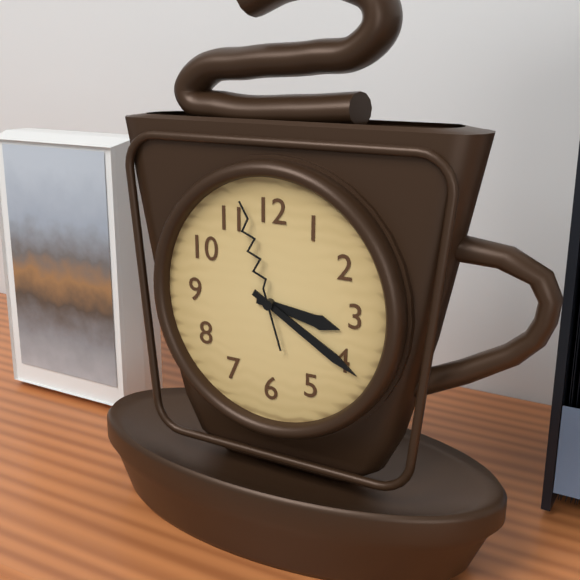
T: 3:20:57
